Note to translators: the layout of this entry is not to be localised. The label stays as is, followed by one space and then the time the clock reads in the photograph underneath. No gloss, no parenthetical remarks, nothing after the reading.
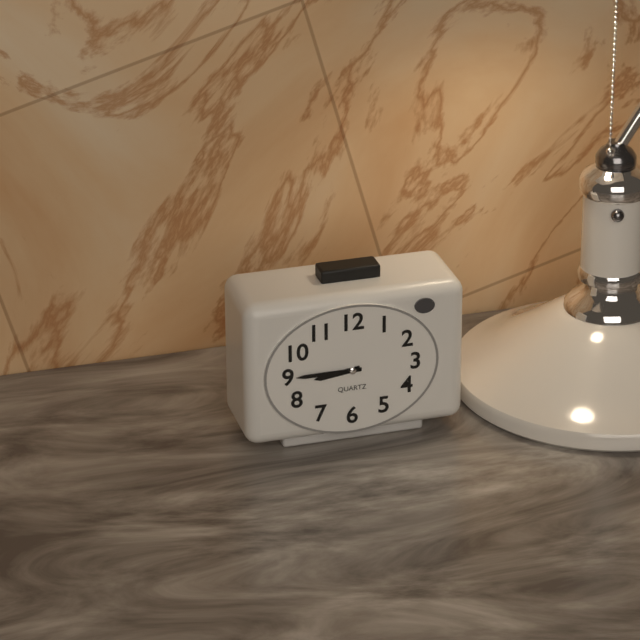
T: 8:45
